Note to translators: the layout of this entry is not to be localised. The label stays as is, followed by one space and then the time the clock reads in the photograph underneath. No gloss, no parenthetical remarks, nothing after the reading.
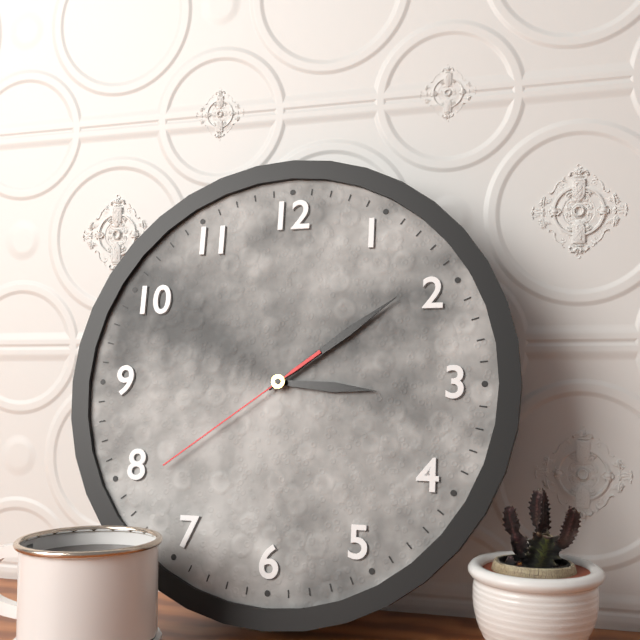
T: 3:09:39
